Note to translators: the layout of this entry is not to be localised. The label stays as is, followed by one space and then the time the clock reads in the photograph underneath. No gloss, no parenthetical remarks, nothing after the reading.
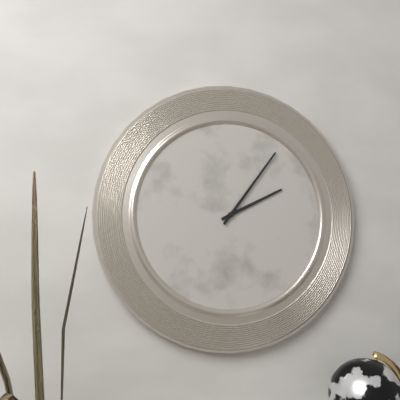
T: 2:06
